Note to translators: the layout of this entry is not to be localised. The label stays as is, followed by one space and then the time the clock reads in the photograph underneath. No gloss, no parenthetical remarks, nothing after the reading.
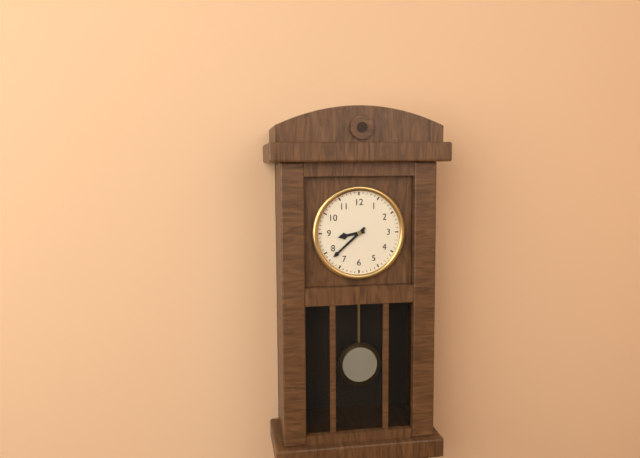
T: 8:38
